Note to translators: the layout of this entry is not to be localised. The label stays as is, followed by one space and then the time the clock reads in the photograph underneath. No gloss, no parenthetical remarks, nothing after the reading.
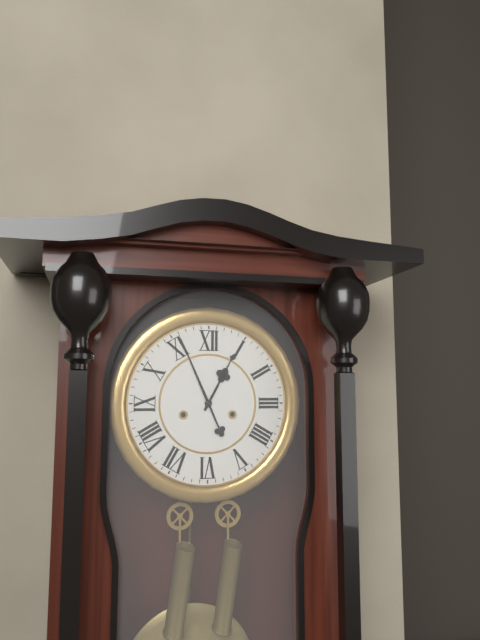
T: 12:56
